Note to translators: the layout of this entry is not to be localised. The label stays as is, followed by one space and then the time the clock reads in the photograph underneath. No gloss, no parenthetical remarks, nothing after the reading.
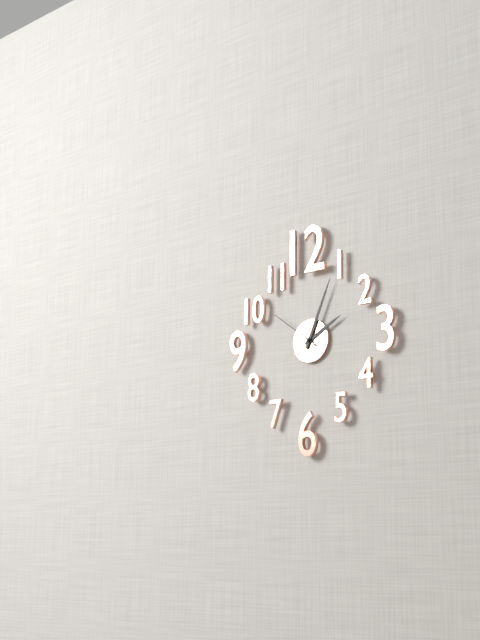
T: 2:04:51
